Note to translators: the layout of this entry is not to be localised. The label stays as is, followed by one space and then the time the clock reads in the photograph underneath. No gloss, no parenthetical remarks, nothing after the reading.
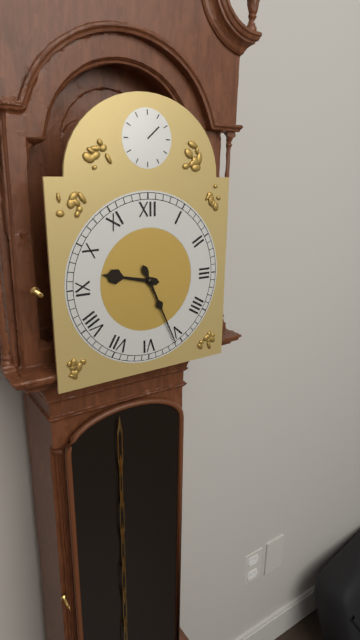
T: 9:26
